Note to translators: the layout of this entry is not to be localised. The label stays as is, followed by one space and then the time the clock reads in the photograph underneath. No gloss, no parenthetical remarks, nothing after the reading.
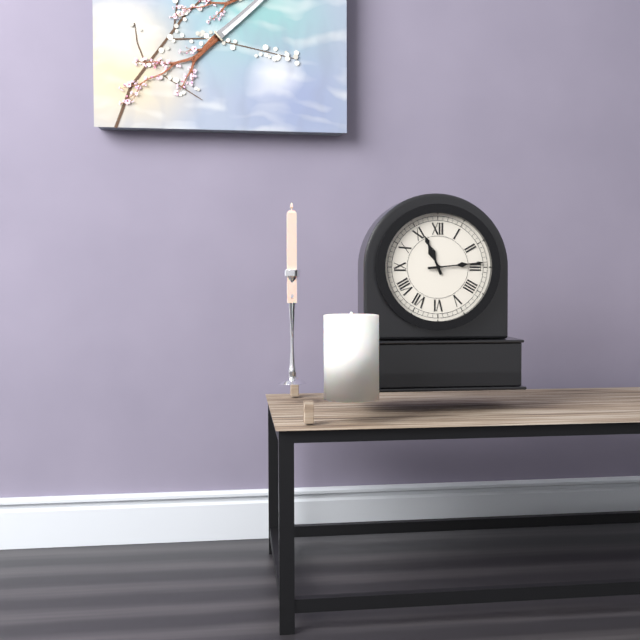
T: 11:14
